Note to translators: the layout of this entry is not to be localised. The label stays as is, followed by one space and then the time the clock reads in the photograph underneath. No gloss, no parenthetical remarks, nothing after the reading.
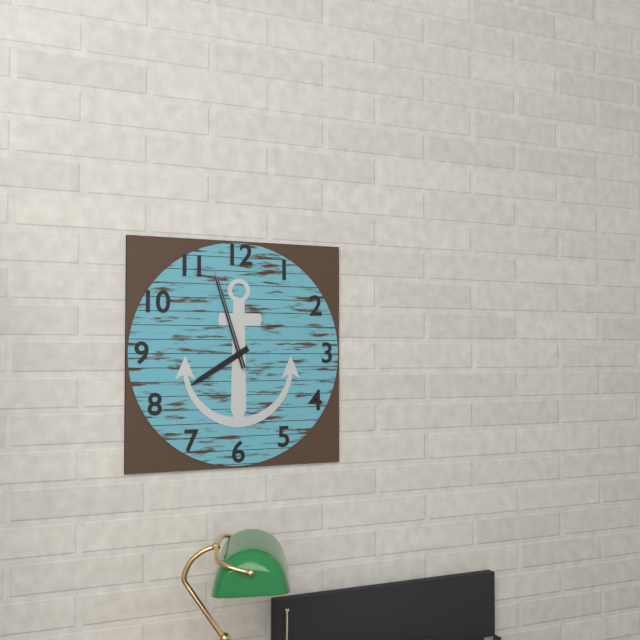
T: 7:57:57
